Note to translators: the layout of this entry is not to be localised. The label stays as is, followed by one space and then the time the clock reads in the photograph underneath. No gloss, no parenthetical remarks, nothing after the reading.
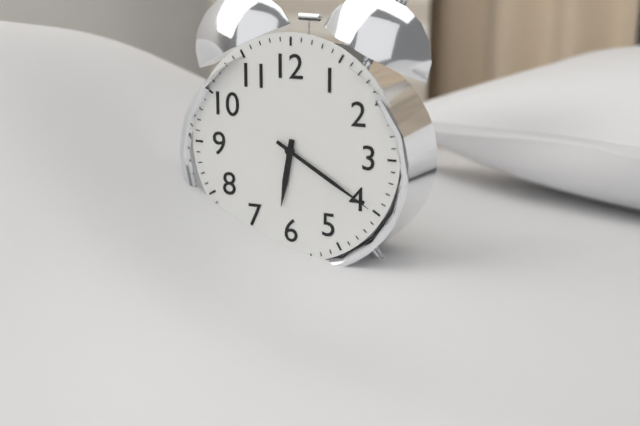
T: 6:20
